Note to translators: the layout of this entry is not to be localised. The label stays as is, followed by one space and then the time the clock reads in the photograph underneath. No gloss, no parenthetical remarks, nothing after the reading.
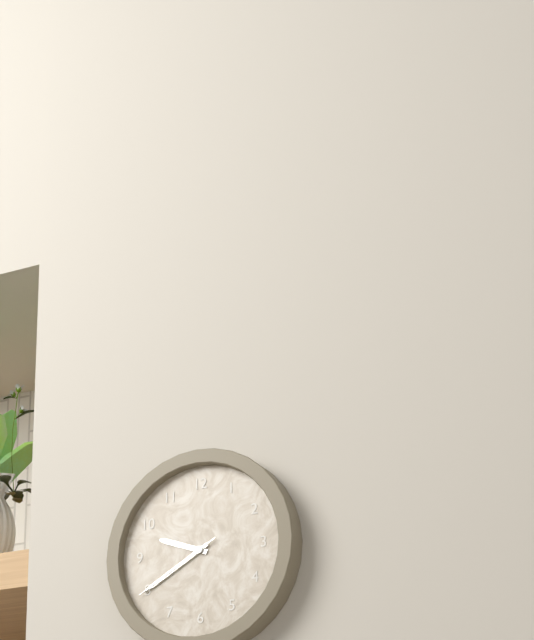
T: 9:40:40
